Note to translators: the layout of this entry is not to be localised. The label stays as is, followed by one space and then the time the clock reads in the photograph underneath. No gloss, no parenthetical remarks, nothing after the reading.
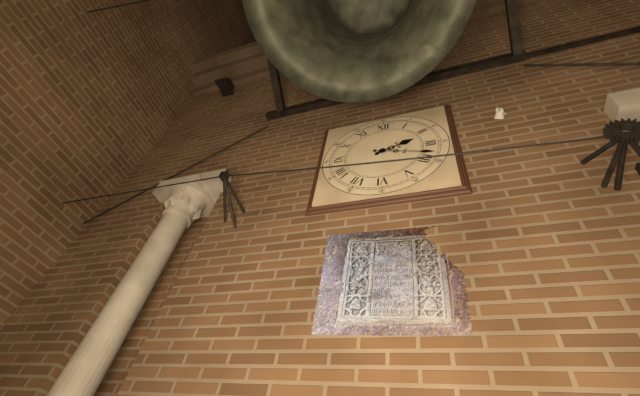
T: 2:18
